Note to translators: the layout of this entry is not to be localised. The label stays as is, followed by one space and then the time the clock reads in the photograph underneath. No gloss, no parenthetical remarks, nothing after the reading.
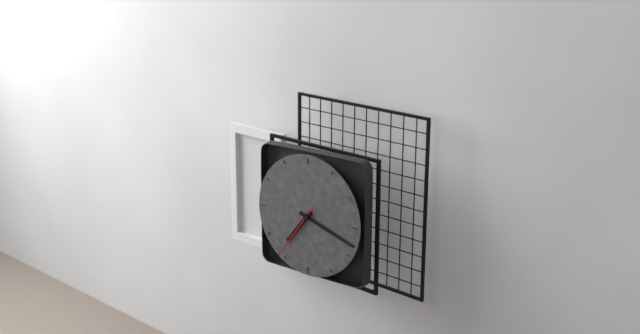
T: 7:18:36
